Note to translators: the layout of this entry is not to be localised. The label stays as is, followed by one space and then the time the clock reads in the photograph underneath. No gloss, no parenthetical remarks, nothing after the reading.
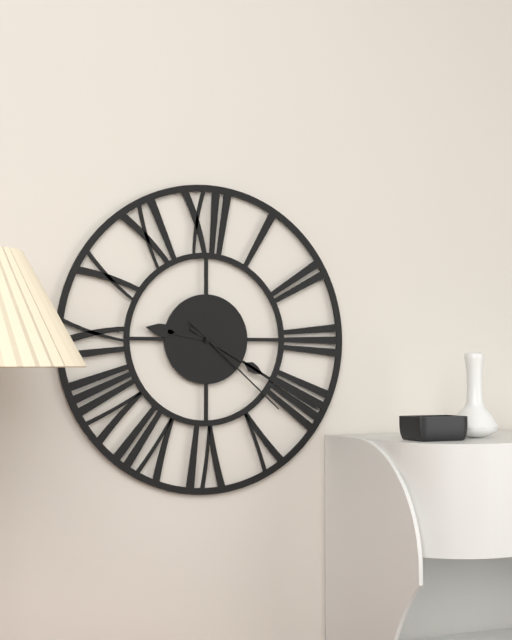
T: 9:20:22
